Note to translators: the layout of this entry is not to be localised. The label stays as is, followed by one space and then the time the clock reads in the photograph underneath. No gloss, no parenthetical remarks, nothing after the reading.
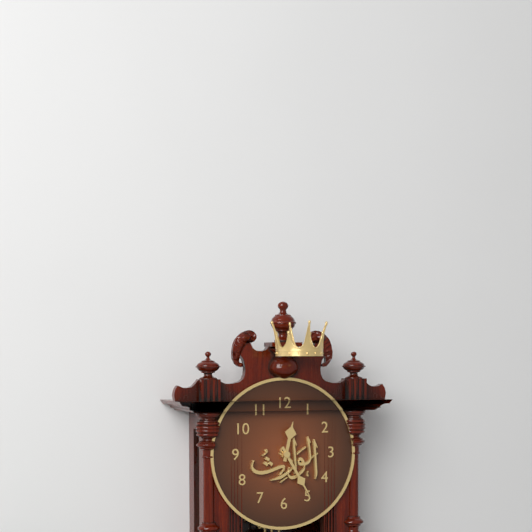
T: 12:25
